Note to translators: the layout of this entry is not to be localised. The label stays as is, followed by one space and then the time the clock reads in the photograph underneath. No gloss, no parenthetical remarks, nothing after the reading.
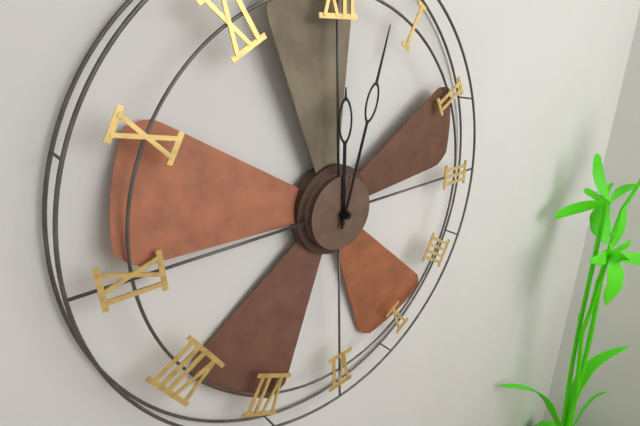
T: 12:03
